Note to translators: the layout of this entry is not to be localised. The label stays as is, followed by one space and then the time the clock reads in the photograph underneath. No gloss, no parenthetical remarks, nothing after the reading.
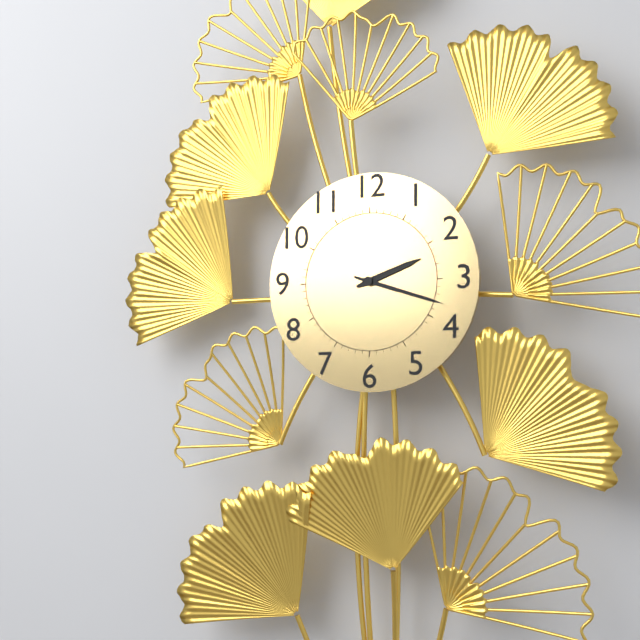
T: 2:18
